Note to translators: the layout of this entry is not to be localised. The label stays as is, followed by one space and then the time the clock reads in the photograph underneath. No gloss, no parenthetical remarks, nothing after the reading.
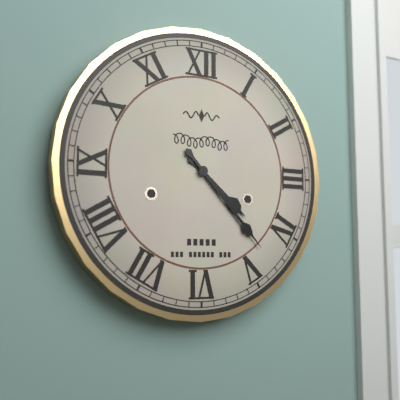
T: 4:23
